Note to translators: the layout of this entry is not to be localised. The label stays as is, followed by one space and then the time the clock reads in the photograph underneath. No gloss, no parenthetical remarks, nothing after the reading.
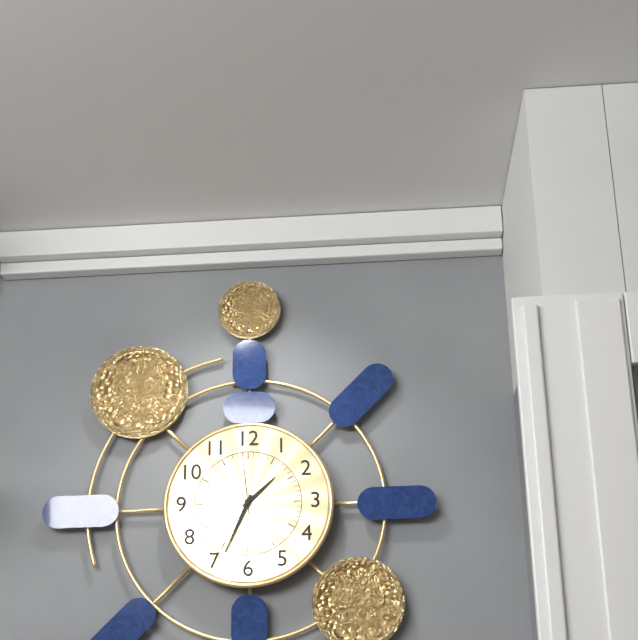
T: 1:34:59
